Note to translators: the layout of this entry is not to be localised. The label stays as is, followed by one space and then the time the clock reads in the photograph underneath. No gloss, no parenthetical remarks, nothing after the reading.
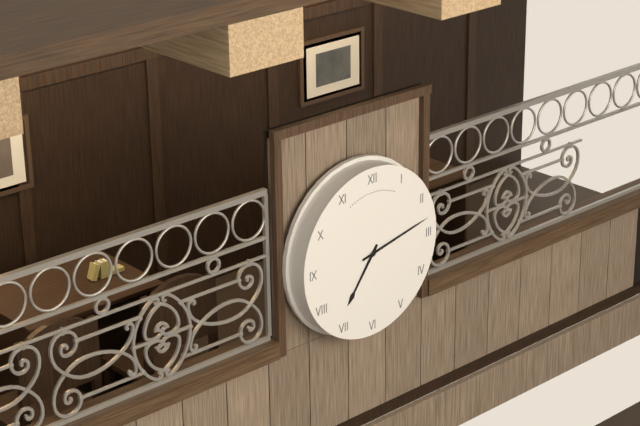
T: 7:13
